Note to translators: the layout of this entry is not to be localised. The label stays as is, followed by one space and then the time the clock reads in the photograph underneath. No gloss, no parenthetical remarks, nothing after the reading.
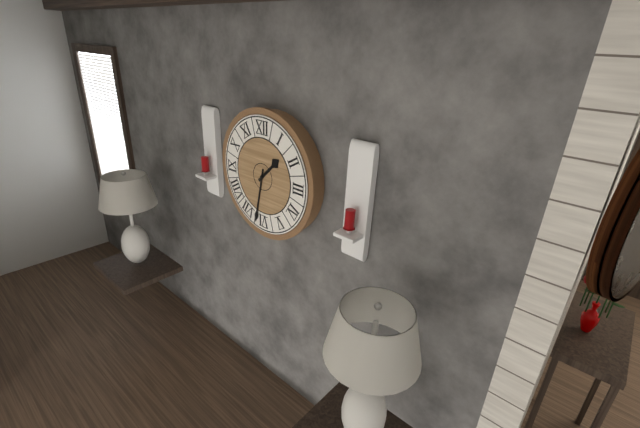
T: 1:32
